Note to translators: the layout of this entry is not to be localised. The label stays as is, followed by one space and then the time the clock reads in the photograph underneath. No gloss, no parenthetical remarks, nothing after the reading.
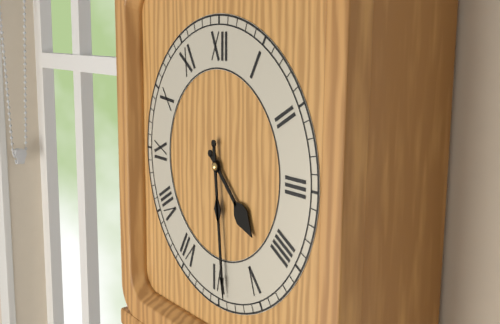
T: 4:29
